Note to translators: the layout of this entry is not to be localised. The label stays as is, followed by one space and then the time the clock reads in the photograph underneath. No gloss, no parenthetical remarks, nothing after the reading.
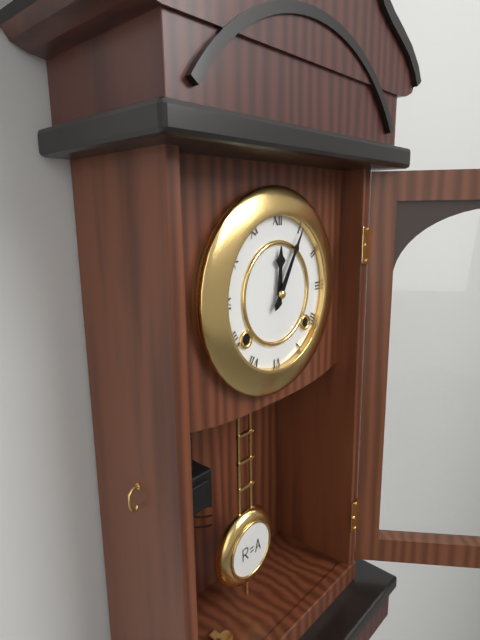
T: 12:05
